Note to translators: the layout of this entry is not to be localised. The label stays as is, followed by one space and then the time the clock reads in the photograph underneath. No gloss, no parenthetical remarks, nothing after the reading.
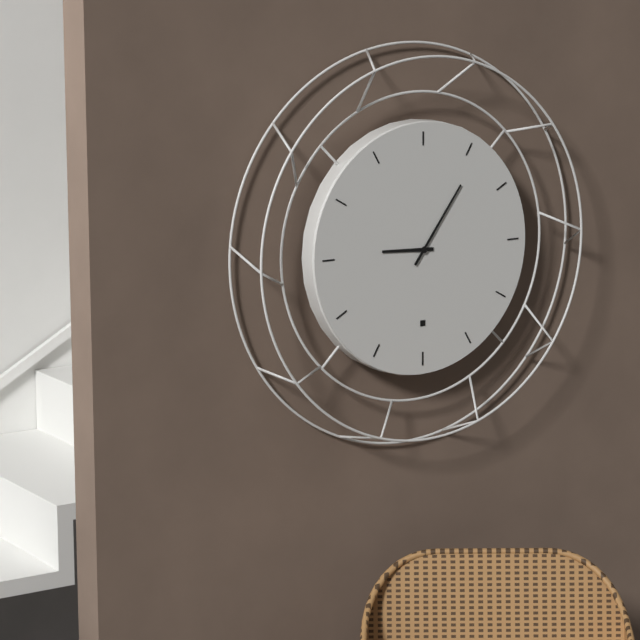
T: 9:06
